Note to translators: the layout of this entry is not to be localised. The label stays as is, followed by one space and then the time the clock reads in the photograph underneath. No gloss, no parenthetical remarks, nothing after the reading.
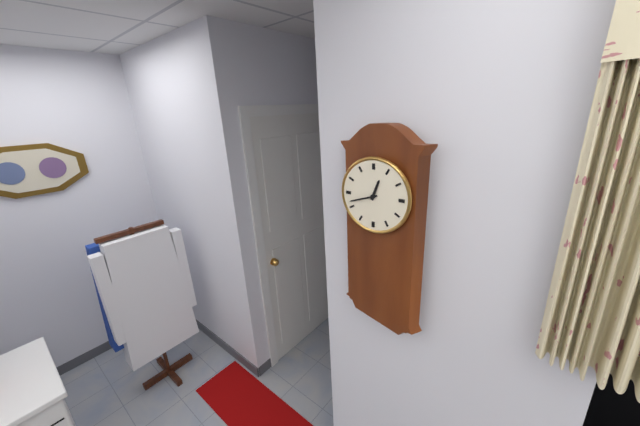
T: 12:42
